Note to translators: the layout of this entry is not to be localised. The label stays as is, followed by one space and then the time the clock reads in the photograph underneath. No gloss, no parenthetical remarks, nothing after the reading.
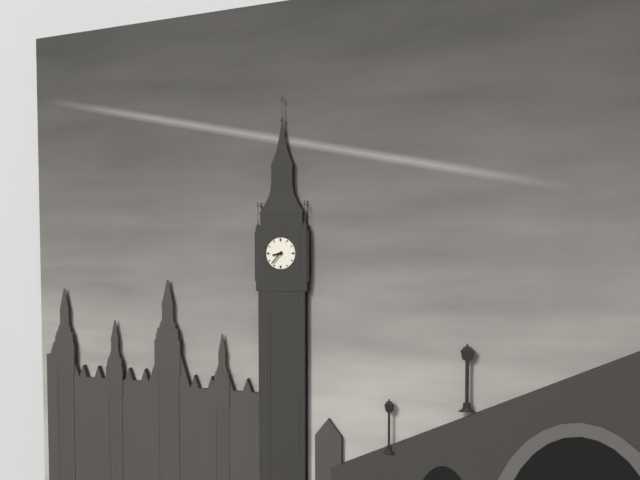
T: 8:37
